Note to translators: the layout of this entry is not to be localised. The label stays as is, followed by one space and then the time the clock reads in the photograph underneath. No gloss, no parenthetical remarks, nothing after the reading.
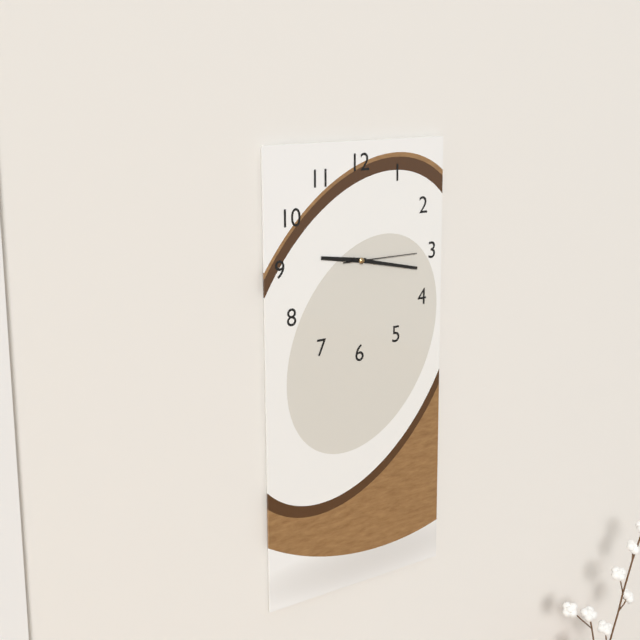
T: 9:17:15
